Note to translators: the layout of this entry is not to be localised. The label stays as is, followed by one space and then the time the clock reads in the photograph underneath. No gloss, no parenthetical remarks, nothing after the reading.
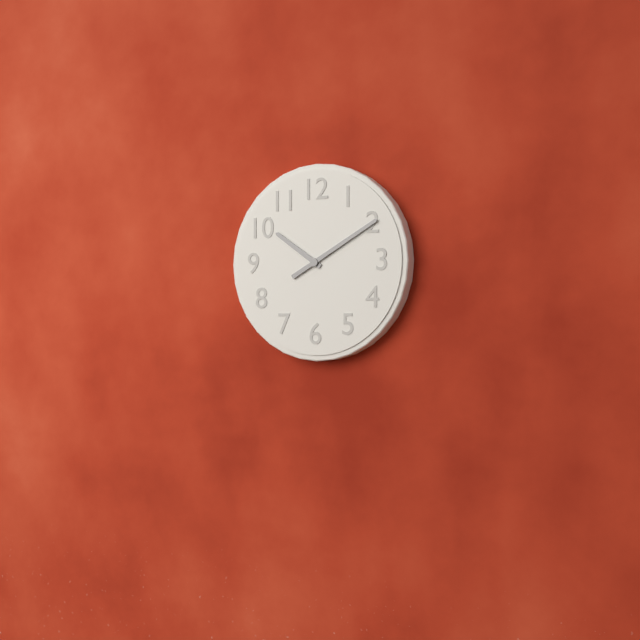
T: 10:10
